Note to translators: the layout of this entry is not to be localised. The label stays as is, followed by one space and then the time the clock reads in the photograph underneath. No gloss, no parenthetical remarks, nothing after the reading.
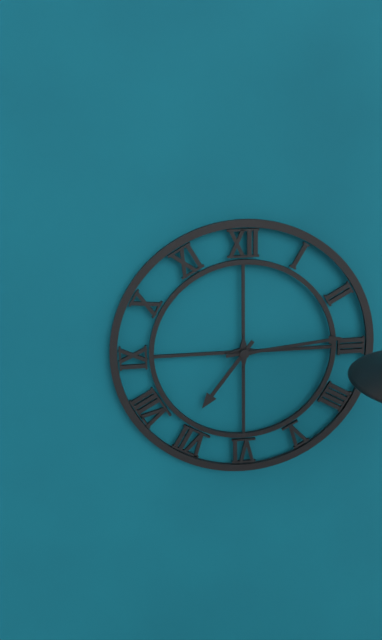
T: 7:14
